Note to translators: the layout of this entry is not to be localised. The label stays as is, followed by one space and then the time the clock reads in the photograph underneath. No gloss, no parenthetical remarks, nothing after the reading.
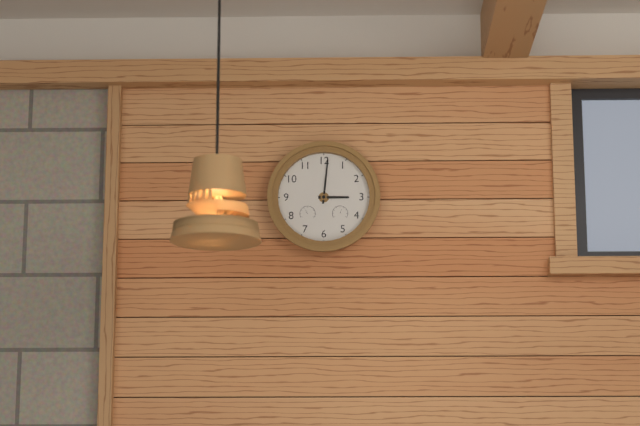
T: 3:01
